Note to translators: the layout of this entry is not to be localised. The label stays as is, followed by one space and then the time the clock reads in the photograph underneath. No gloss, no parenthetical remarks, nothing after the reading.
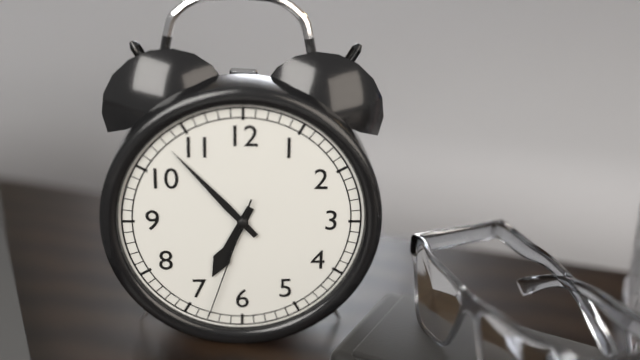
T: 6:53:33
